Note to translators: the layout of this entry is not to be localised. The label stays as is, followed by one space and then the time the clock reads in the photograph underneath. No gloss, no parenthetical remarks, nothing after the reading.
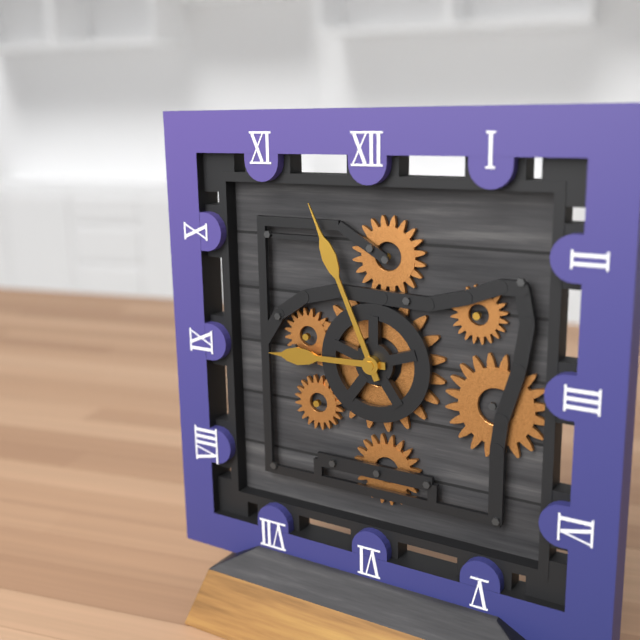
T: 8:56
